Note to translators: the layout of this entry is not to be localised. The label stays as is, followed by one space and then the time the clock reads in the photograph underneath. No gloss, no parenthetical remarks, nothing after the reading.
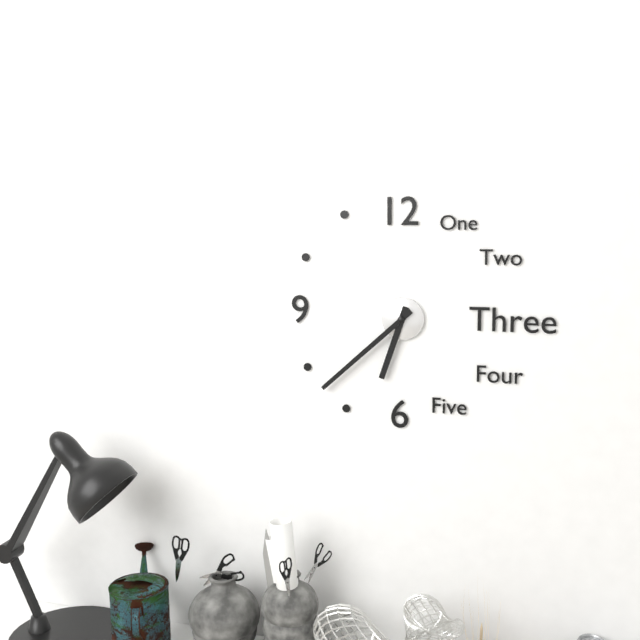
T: 6:38
